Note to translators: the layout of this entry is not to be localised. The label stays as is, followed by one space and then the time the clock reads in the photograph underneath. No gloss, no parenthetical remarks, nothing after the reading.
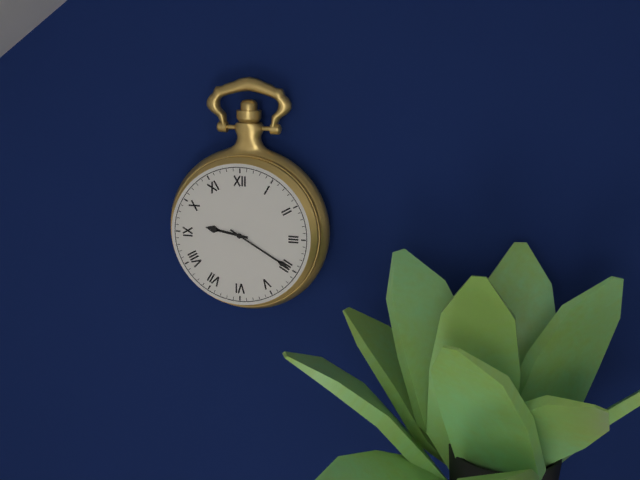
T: 9:20
